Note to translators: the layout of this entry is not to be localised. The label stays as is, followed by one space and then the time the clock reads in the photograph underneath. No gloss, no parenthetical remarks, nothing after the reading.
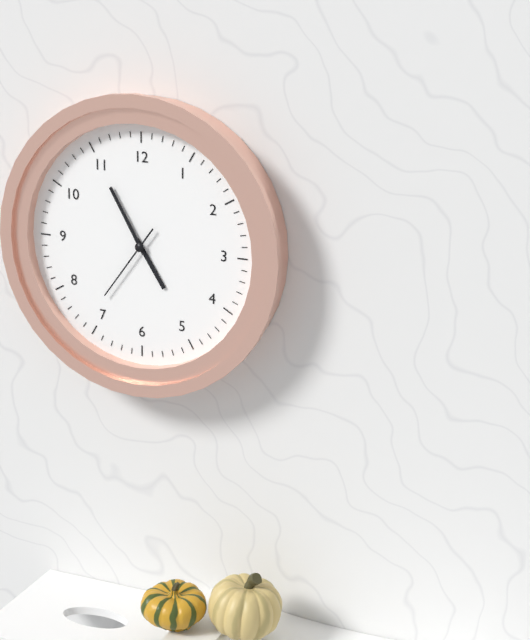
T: 4:55:36
